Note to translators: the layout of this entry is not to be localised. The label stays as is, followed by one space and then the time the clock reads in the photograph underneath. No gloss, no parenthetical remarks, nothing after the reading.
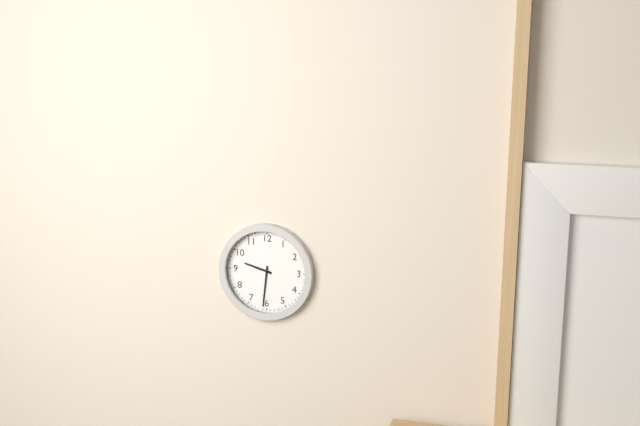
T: 9:31
